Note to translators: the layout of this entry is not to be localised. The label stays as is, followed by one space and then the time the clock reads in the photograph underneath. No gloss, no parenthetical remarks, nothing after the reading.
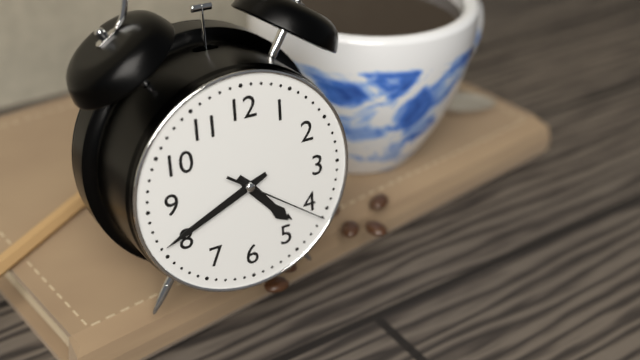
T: 4:41:21
